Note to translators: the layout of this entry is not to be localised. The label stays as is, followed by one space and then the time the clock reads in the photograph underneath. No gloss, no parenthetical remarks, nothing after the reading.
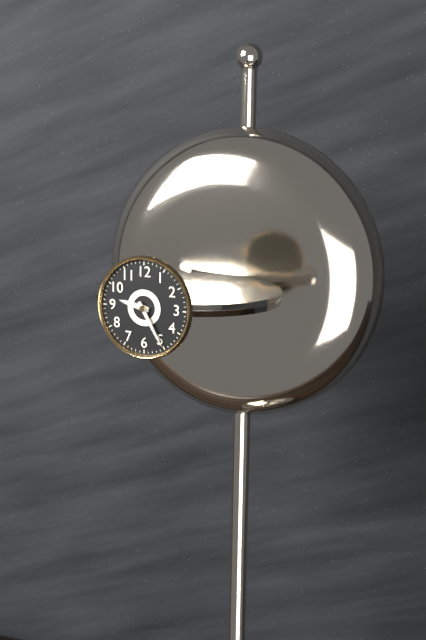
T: 9:25
